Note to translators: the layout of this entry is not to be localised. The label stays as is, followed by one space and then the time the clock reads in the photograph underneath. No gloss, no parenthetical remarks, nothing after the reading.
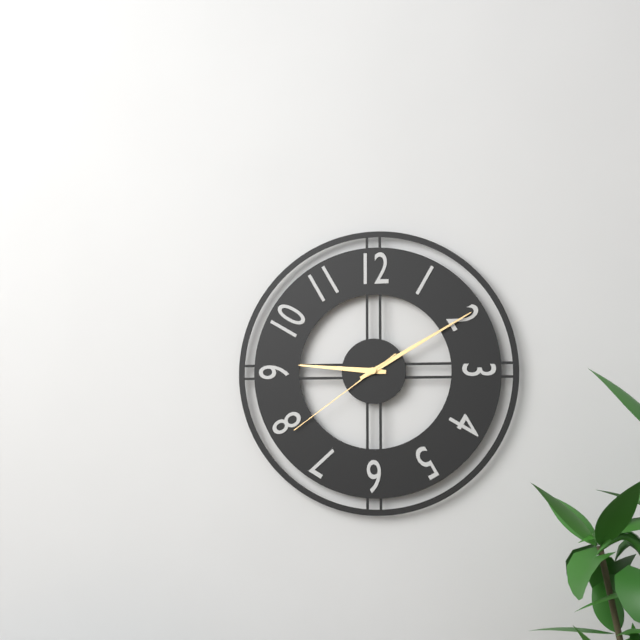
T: 9:10:39
